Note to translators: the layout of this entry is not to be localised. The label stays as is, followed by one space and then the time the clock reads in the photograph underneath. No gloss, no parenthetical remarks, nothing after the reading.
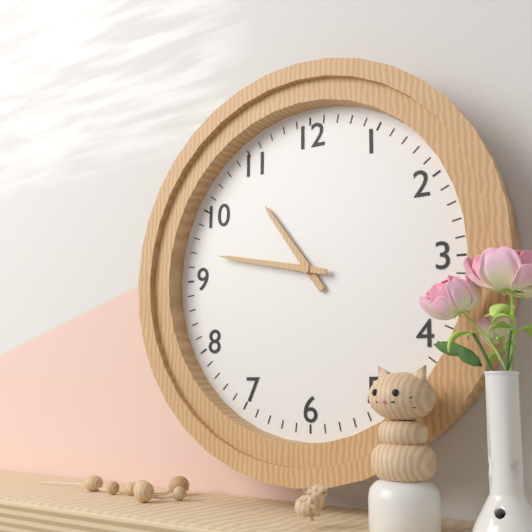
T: 10:47
